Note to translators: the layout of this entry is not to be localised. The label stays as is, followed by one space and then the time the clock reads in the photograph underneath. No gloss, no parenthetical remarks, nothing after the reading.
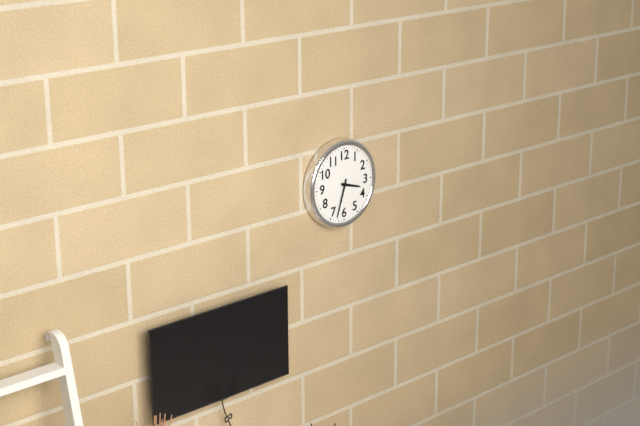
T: 3:33
